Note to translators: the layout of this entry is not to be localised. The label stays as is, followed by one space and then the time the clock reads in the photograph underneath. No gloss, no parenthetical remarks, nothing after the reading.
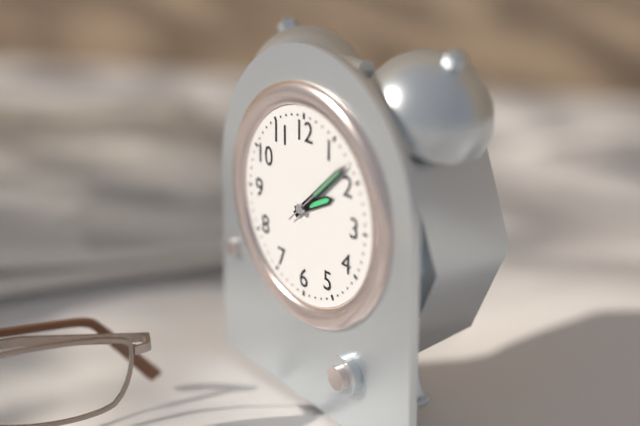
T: 2:08:08
